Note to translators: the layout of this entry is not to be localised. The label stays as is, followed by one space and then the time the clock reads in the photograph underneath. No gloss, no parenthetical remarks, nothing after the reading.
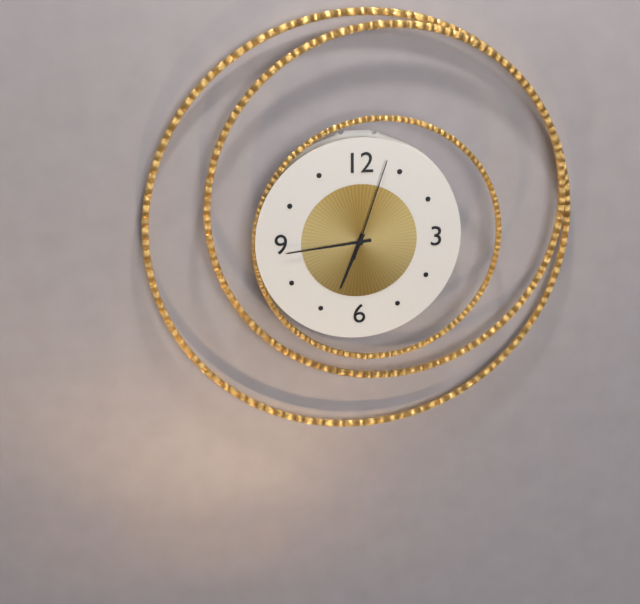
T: 6:44:03
